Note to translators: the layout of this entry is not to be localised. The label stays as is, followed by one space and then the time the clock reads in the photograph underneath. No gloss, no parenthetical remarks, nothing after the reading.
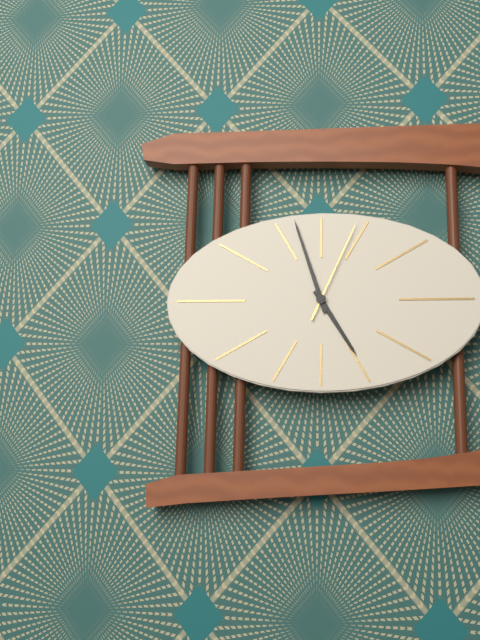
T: 4:57:04
